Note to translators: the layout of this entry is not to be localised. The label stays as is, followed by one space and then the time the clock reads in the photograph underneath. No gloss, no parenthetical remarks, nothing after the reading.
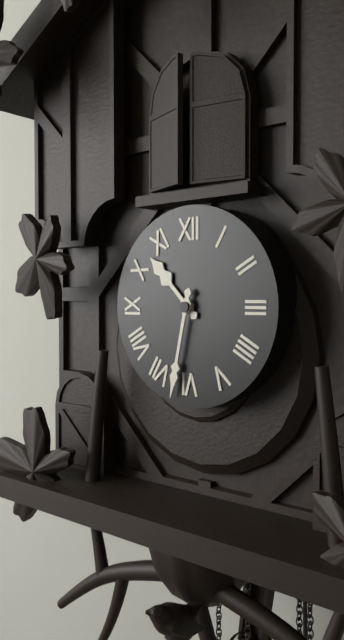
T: 10:32
